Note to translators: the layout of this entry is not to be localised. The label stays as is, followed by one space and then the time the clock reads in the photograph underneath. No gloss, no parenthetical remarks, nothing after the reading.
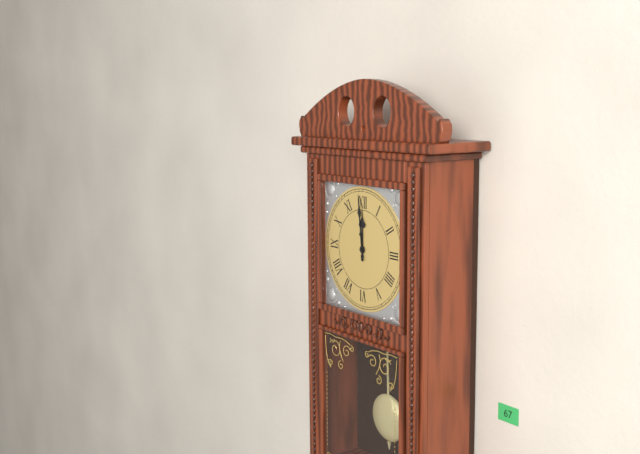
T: 11:59
